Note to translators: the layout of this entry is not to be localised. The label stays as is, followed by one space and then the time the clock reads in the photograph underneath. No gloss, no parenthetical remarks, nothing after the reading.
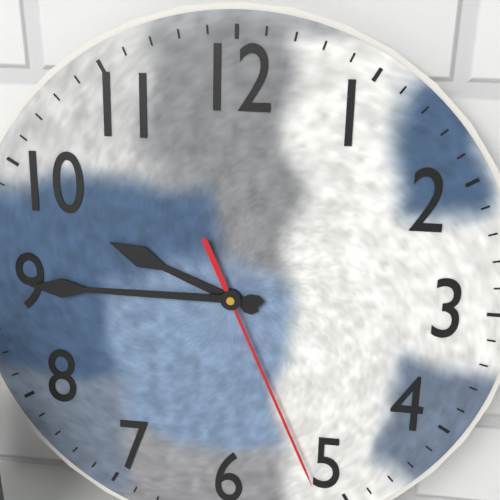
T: 9:45:26
